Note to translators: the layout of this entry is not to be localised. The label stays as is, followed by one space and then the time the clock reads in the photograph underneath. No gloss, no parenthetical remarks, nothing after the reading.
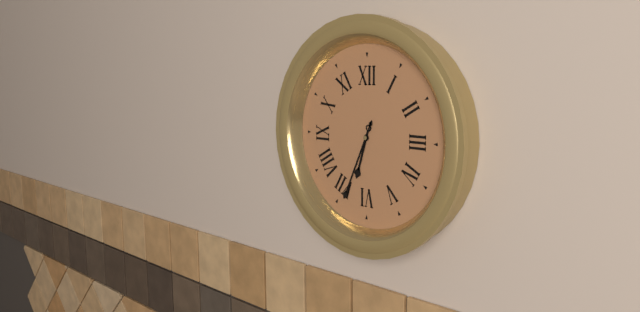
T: 6:34
